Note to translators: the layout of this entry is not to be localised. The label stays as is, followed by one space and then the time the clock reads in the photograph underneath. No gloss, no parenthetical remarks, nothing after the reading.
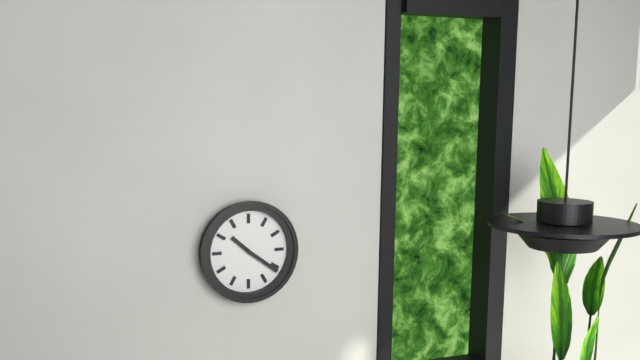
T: 10:21
